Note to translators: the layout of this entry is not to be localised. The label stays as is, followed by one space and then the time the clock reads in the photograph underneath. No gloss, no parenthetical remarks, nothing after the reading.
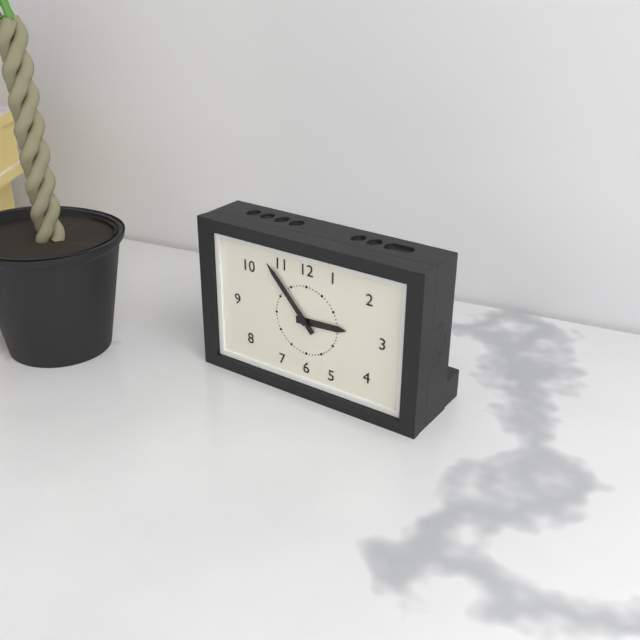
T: 2:53
